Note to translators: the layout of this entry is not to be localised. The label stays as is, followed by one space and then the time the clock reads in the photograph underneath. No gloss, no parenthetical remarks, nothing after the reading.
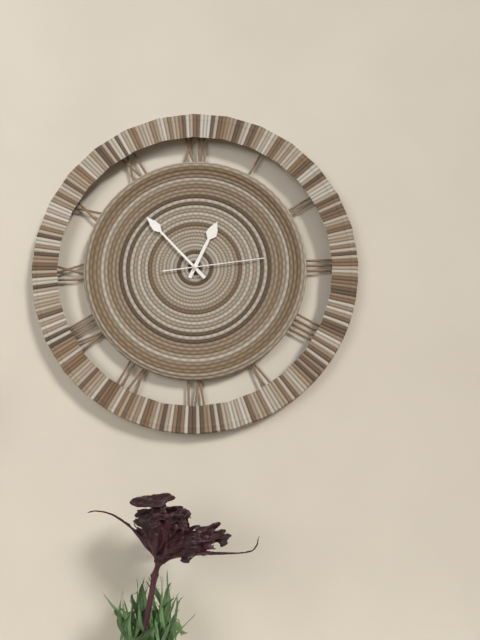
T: 12:53:14
